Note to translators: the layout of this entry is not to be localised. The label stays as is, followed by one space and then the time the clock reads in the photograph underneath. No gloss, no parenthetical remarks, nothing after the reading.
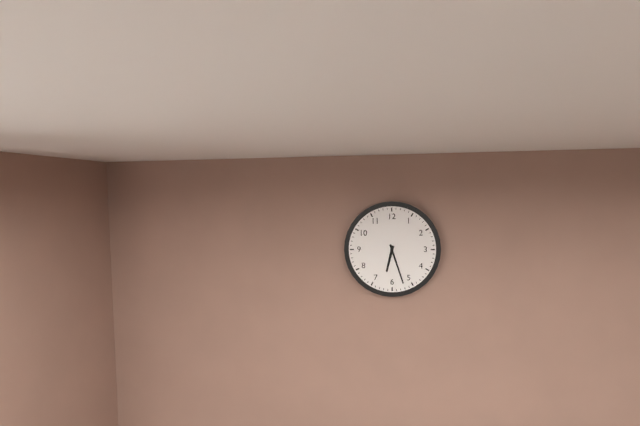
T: 6:27
